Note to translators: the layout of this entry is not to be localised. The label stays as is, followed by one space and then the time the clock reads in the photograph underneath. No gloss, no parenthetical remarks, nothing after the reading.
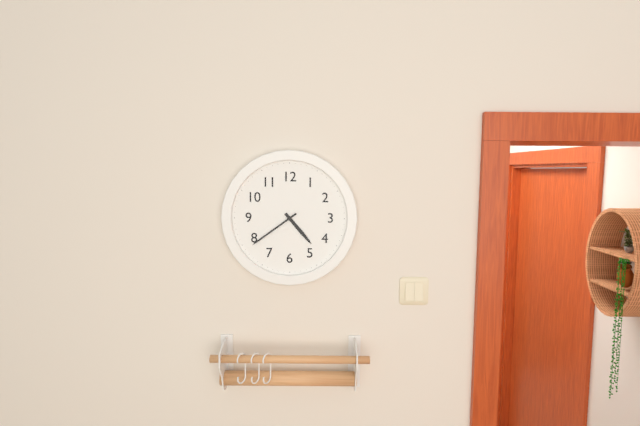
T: 4:39
